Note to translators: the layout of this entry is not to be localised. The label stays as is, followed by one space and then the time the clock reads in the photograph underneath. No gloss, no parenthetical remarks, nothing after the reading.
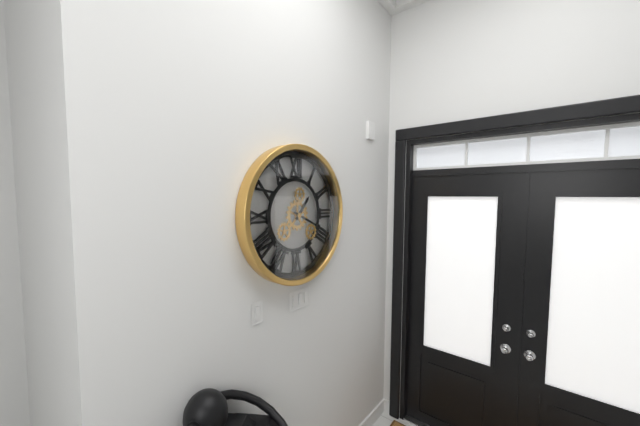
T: 1:19
